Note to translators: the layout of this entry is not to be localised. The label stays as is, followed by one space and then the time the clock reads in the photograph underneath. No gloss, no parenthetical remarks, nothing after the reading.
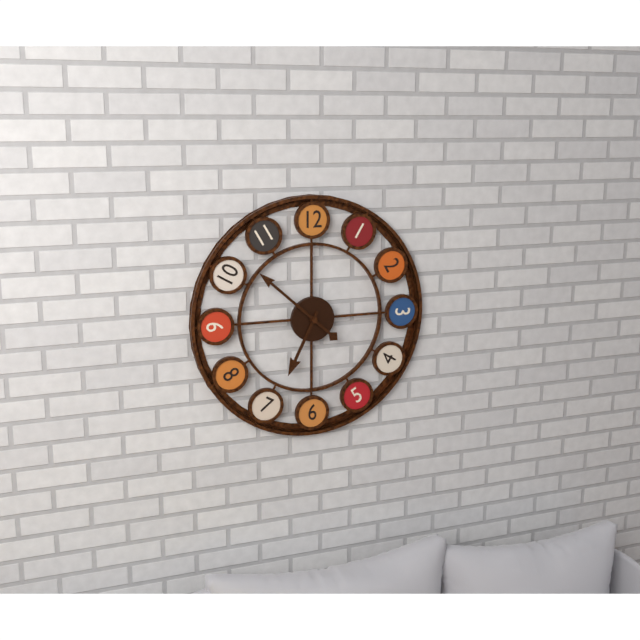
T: 6:52
